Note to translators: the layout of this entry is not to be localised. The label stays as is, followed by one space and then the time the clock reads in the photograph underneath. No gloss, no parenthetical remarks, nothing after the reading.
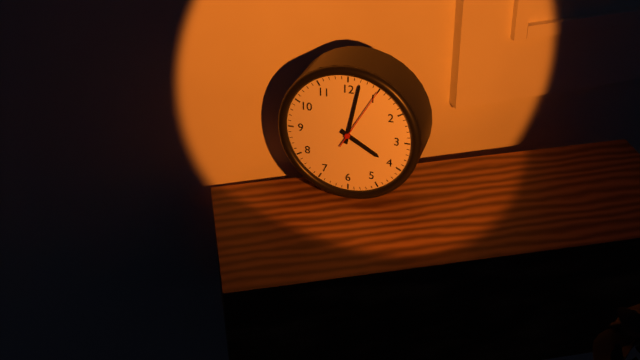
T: 4:02:05
